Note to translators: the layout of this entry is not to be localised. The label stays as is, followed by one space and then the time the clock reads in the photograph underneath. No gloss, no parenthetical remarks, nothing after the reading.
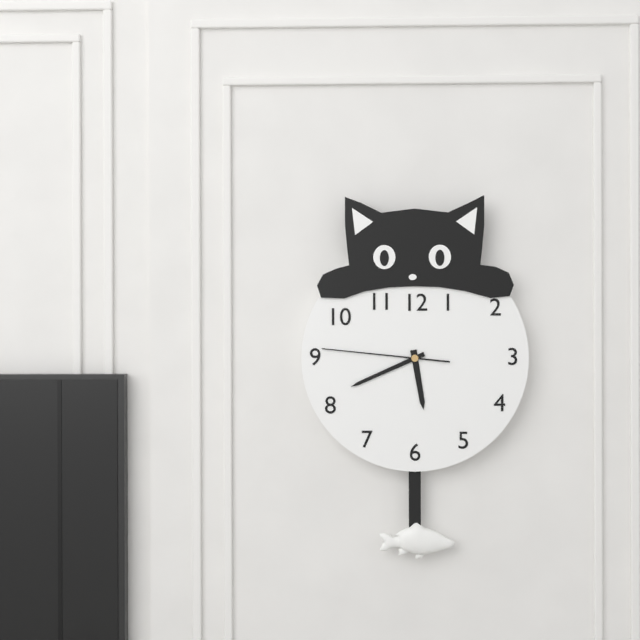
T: 5:41:46
